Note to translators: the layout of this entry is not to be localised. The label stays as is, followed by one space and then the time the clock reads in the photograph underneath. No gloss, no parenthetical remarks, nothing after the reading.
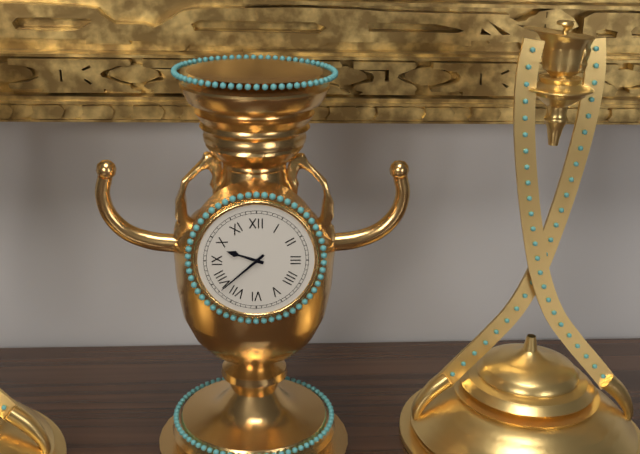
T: 9:38
